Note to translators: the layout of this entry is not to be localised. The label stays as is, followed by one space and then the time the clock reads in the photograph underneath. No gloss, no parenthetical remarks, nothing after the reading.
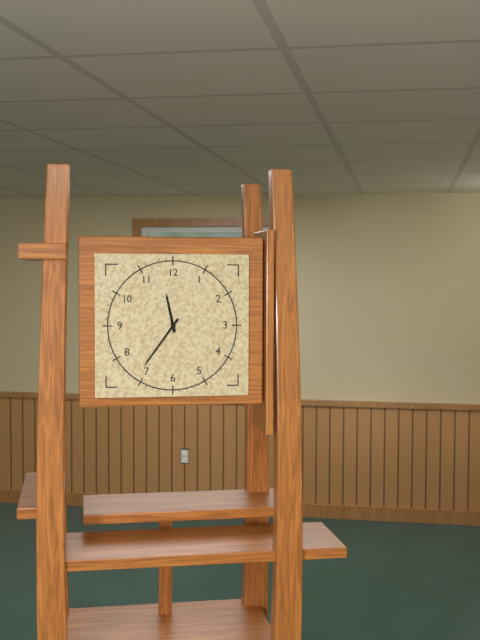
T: 11:36
